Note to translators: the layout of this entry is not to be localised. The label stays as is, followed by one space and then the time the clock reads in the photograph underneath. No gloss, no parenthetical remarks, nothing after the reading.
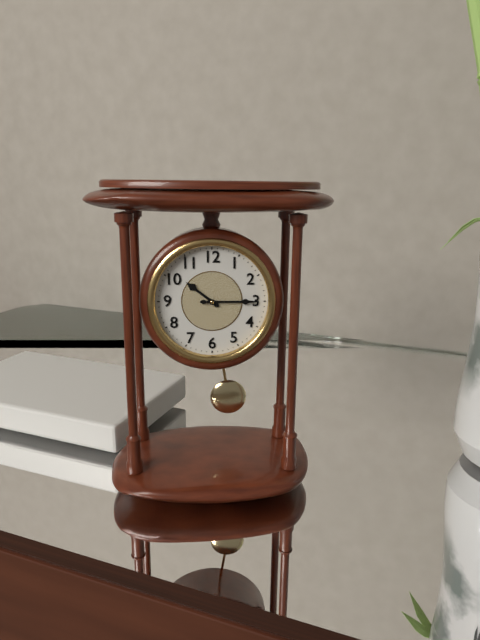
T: 10:15
